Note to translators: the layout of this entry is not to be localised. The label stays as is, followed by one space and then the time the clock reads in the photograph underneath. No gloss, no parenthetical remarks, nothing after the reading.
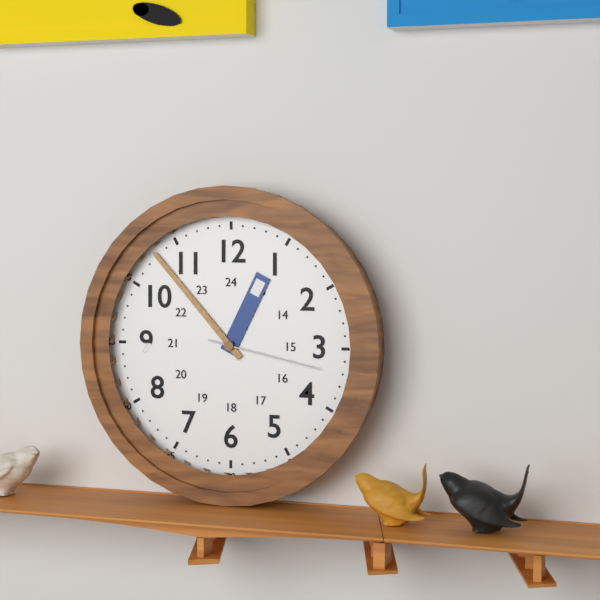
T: 12:53:17
